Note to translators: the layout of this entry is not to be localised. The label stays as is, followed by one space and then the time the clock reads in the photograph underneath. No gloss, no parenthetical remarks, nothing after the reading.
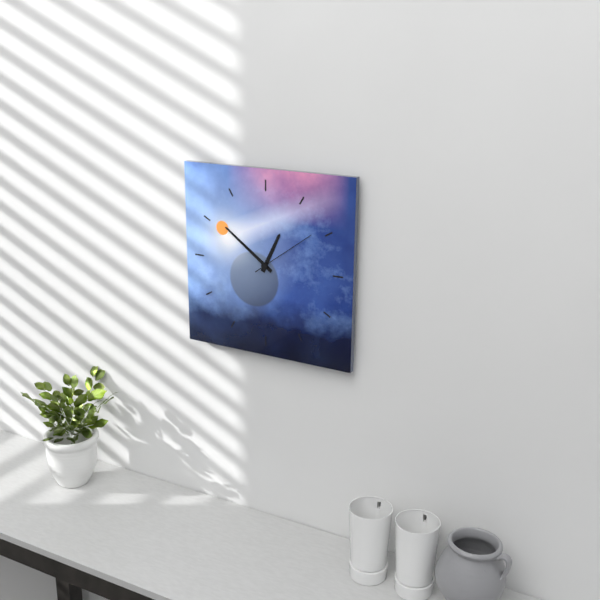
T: 12:51:09
